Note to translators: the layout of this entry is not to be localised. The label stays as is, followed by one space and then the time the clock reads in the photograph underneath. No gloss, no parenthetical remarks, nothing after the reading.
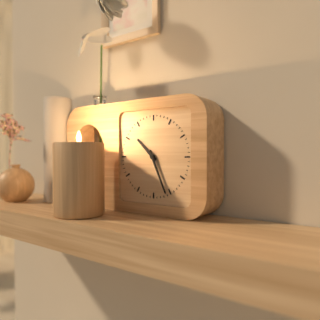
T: 10:26
